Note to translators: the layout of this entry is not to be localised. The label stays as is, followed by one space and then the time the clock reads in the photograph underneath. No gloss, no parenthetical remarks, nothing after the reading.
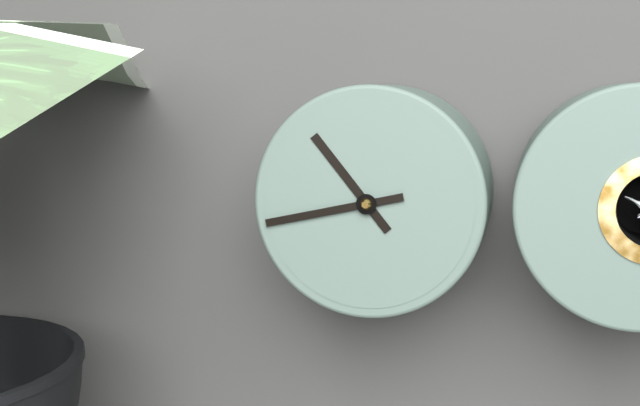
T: 10:43
